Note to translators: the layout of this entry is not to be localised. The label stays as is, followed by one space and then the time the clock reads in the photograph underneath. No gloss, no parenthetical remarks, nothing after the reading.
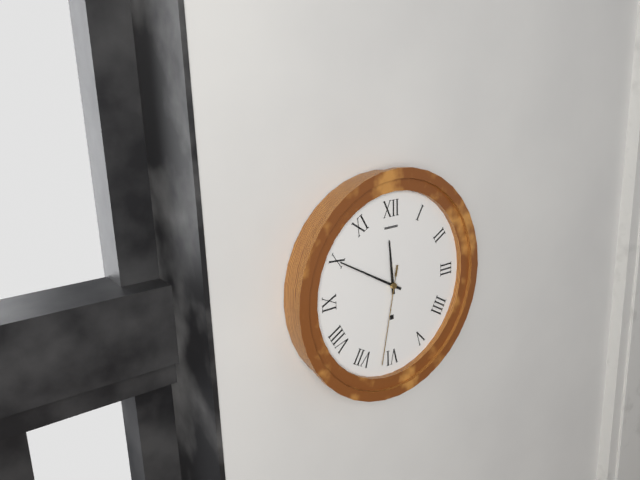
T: 11:50:32
